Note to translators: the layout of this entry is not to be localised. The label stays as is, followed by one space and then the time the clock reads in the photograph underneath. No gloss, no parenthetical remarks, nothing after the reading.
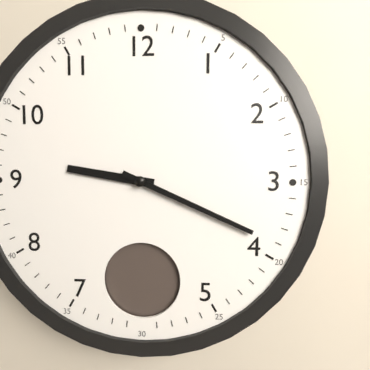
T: 9:19
